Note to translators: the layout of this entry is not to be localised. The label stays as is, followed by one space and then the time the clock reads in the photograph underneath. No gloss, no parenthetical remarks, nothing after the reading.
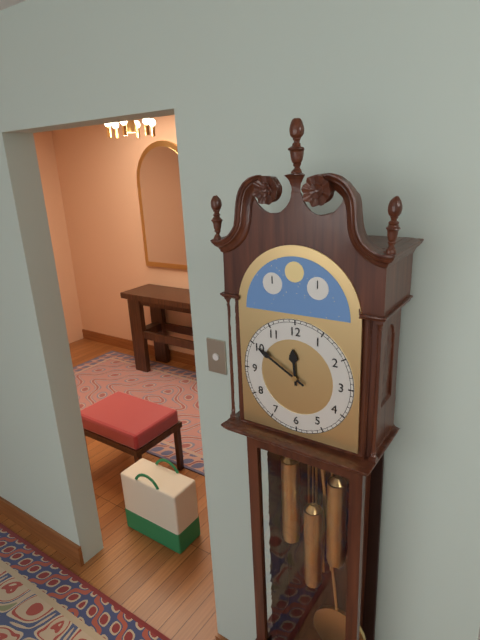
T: 11:50
